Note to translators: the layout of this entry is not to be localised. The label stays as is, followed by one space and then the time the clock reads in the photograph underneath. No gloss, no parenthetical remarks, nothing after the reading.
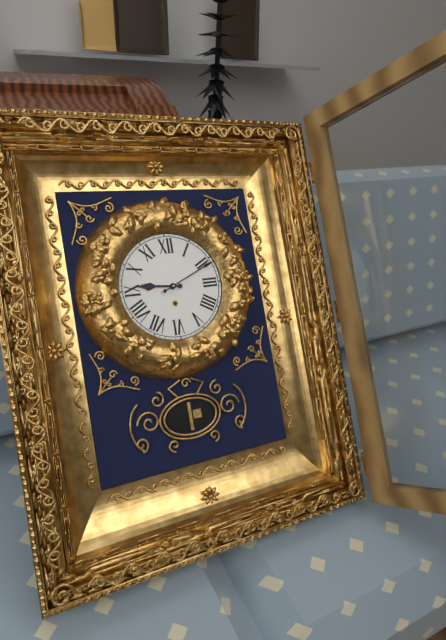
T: 9:11
